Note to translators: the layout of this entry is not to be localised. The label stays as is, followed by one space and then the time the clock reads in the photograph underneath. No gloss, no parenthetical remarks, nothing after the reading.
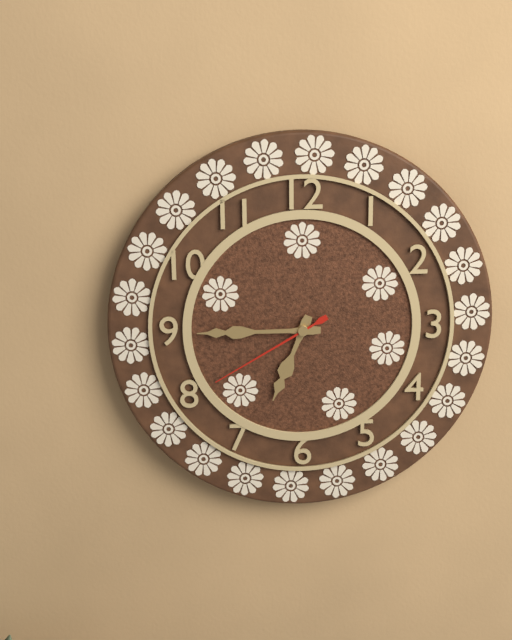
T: 6:45:40
